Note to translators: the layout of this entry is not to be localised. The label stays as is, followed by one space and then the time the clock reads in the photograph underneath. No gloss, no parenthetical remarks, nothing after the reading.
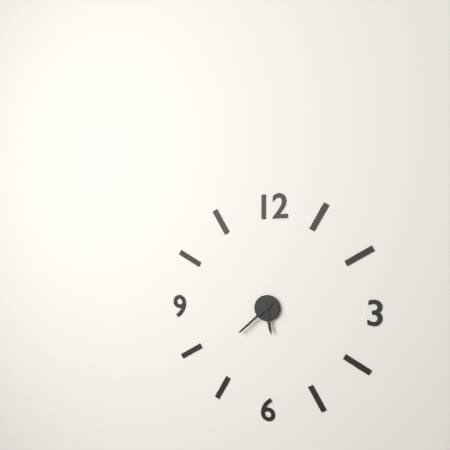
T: 5:38
